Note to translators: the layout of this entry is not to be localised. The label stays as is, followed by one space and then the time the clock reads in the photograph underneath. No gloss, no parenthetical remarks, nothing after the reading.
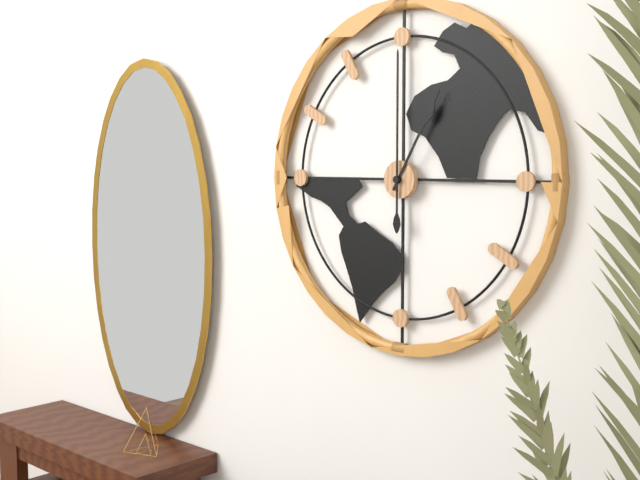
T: 1:00
